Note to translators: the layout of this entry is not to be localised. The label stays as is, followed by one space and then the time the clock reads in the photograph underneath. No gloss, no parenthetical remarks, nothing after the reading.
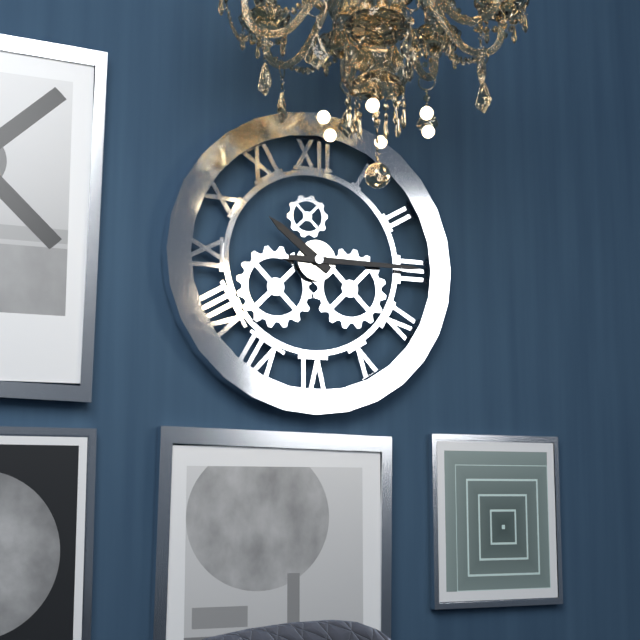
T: 10:15
